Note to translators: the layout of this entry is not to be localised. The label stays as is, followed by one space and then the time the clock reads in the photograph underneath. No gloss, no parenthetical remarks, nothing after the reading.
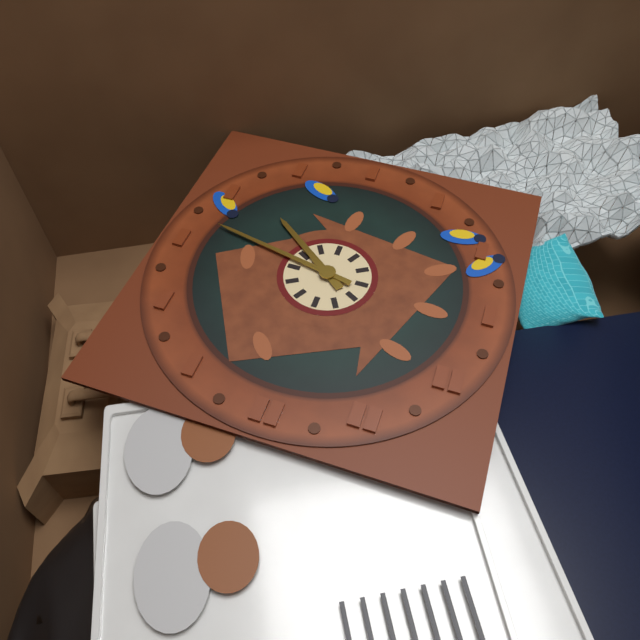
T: 4:17
